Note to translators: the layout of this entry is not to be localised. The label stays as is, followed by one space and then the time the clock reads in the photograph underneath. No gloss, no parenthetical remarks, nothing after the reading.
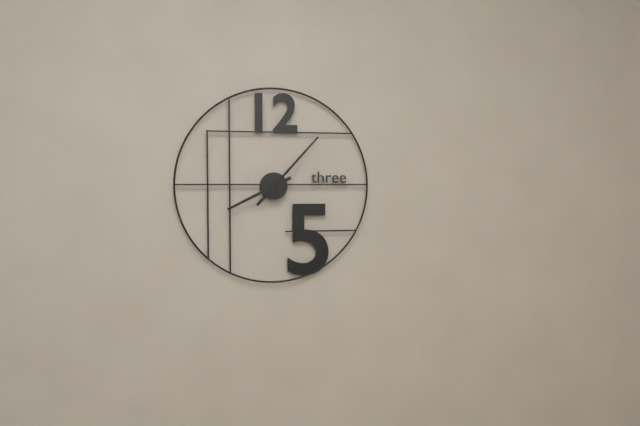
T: 8:07
